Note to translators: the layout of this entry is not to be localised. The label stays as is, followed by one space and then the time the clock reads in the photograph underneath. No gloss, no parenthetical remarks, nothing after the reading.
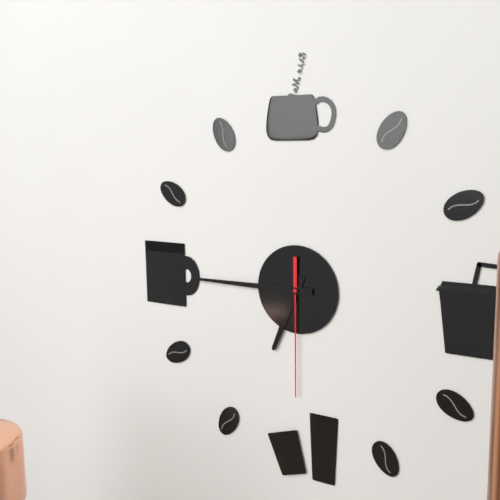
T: 6:45:30
